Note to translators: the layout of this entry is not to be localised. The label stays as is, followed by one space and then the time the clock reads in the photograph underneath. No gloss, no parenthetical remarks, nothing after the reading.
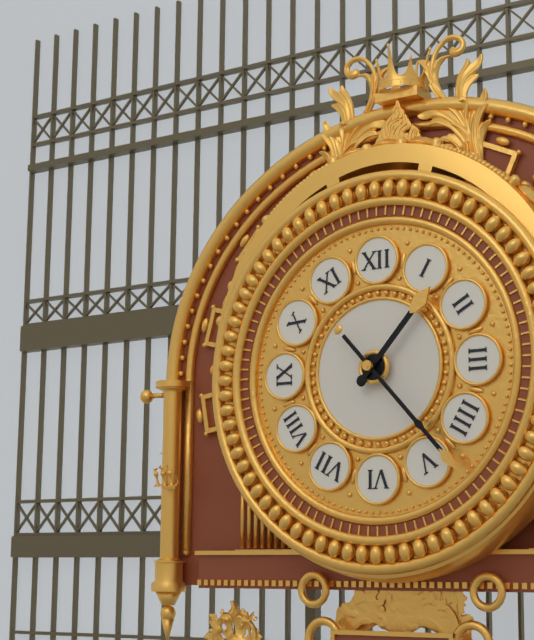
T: 1:23
